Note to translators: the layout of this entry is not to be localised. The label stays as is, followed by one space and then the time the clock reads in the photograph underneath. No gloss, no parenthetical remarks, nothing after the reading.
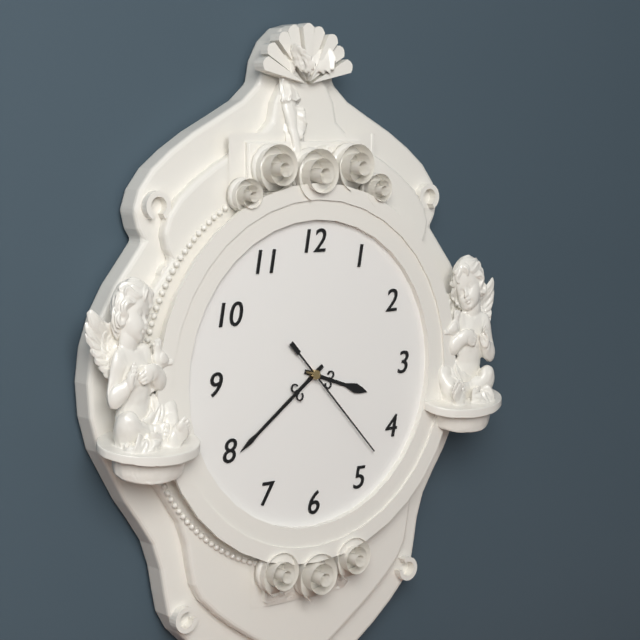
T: 3:39:23
